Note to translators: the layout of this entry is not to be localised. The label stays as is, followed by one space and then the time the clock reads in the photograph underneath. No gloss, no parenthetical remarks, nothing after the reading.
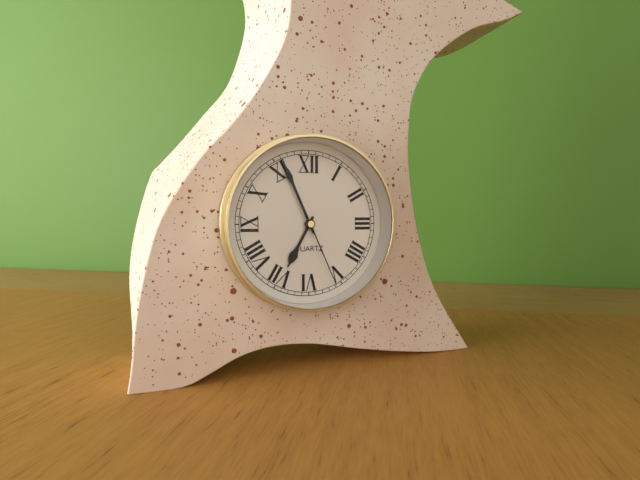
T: 6:56:26
